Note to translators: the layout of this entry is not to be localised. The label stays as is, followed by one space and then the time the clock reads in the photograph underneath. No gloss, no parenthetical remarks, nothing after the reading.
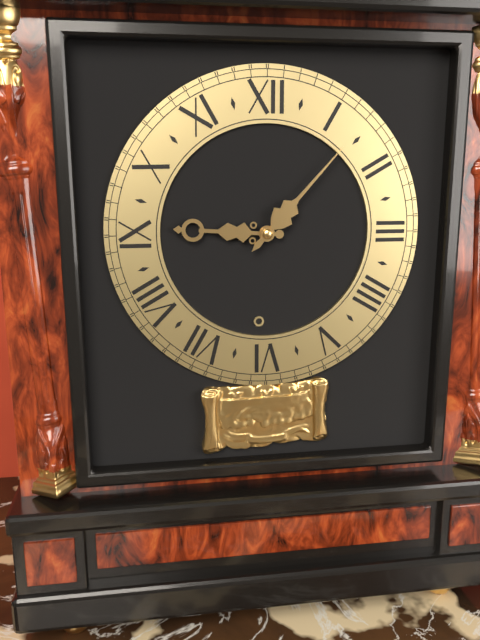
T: 9:07
